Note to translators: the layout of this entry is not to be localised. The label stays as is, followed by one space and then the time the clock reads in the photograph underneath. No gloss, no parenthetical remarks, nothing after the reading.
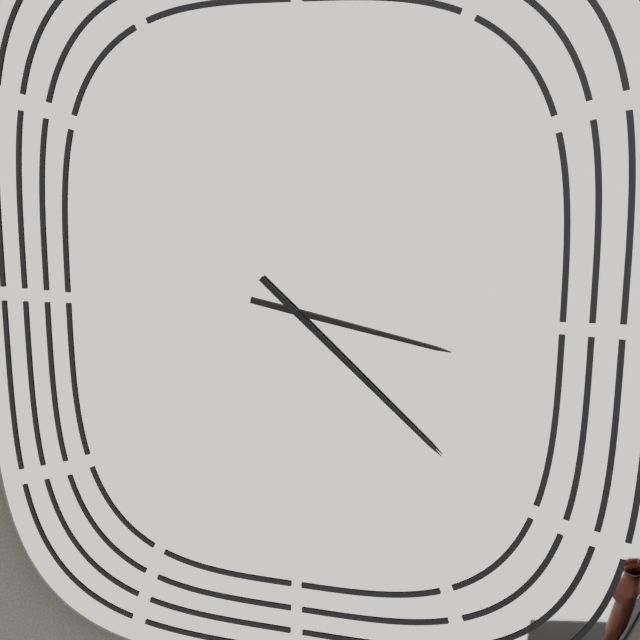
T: 3:22
